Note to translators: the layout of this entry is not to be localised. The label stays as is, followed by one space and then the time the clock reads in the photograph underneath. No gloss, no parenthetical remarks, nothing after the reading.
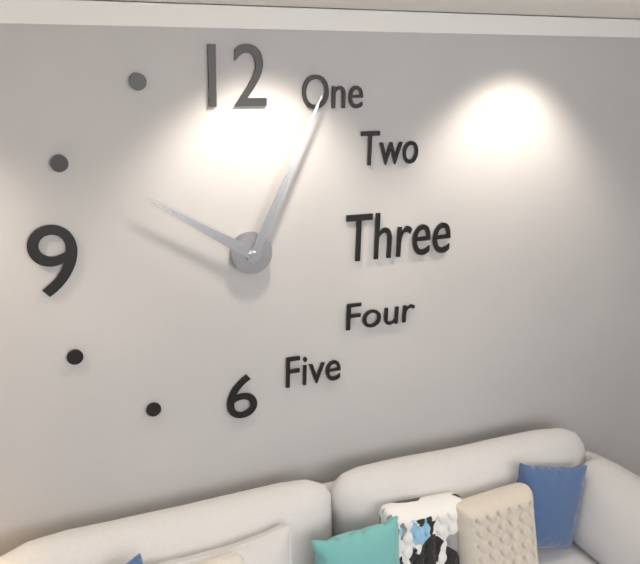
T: 10:04
